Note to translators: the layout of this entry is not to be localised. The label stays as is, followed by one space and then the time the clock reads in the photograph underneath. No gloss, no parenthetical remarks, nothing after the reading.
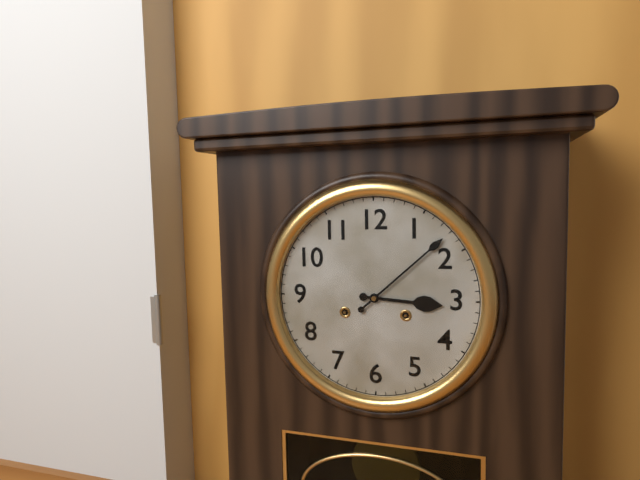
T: 3:08
